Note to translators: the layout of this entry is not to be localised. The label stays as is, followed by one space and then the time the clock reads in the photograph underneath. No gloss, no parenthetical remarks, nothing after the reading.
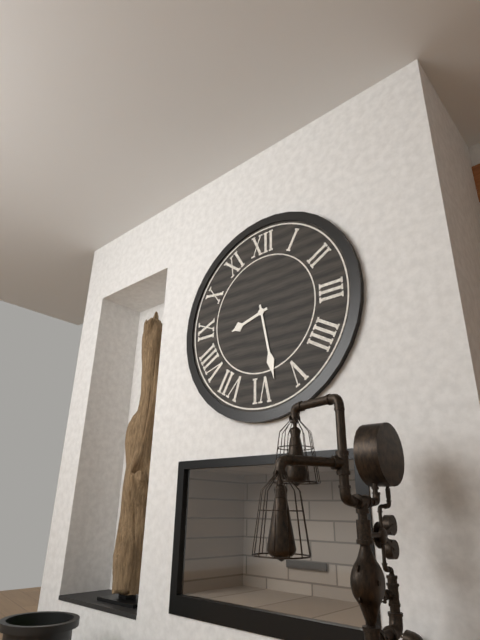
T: 8:28
